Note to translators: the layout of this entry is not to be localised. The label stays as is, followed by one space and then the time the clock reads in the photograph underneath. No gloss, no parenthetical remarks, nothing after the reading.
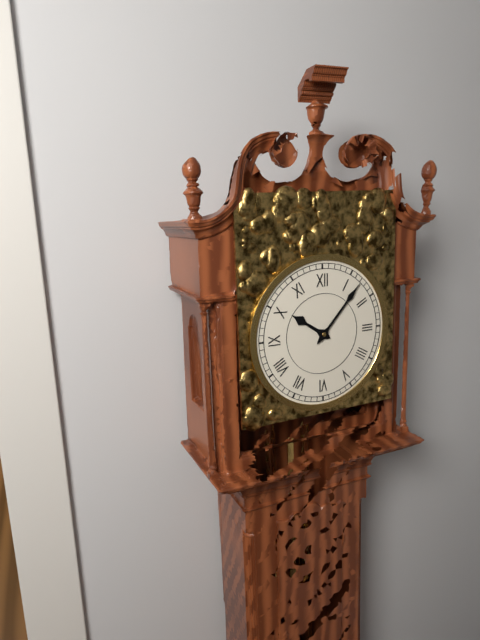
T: 10:07
